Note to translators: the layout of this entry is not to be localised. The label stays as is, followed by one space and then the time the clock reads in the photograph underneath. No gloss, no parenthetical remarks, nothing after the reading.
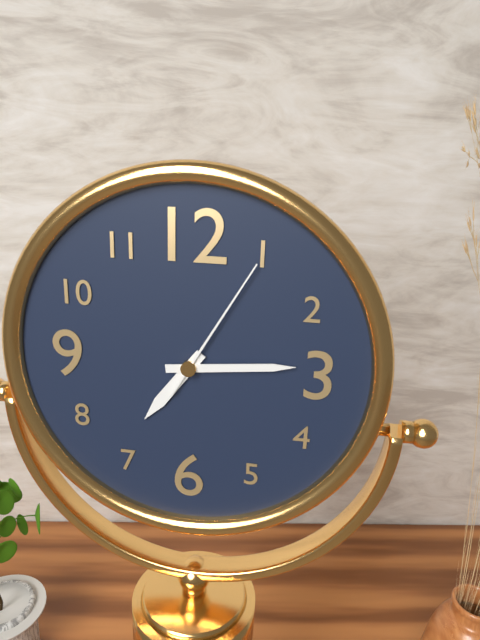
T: 7:14:05
